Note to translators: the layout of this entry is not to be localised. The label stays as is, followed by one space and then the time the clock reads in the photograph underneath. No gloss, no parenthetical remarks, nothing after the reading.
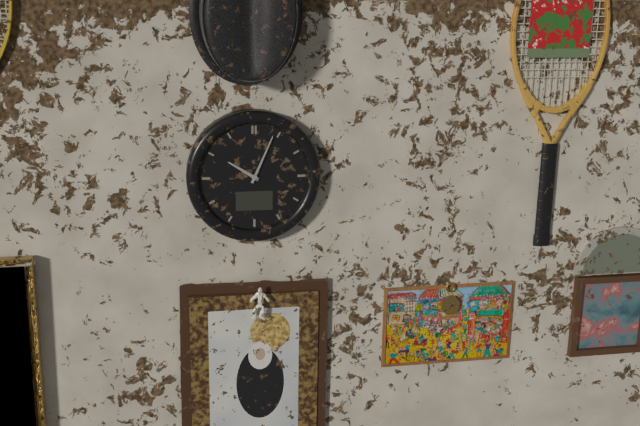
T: 10:04
